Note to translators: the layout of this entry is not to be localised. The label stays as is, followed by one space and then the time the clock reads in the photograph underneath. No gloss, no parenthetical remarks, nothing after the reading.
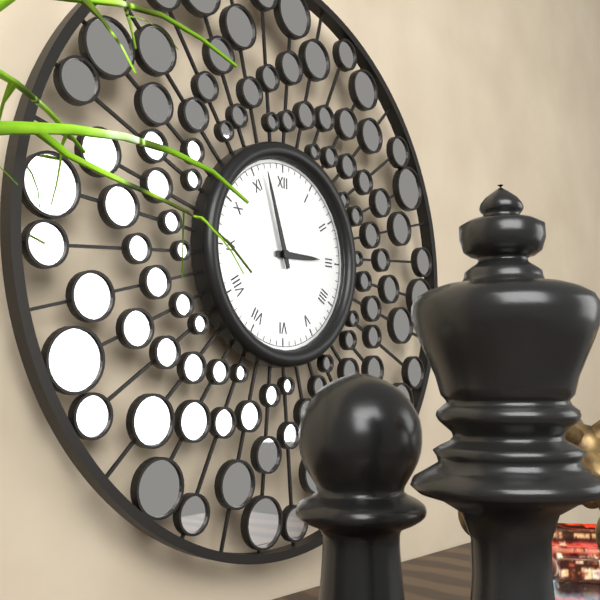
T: 2:57
